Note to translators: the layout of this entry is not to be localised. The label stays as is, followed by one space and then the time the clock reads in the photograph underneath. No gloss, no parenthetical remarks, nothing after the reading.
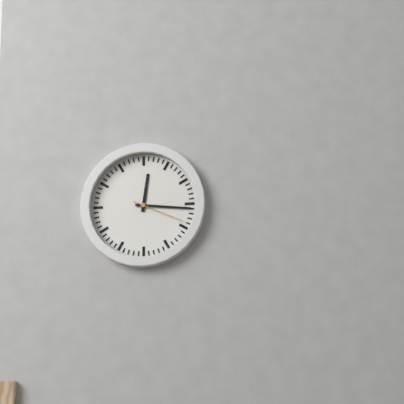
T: 12:16:19
